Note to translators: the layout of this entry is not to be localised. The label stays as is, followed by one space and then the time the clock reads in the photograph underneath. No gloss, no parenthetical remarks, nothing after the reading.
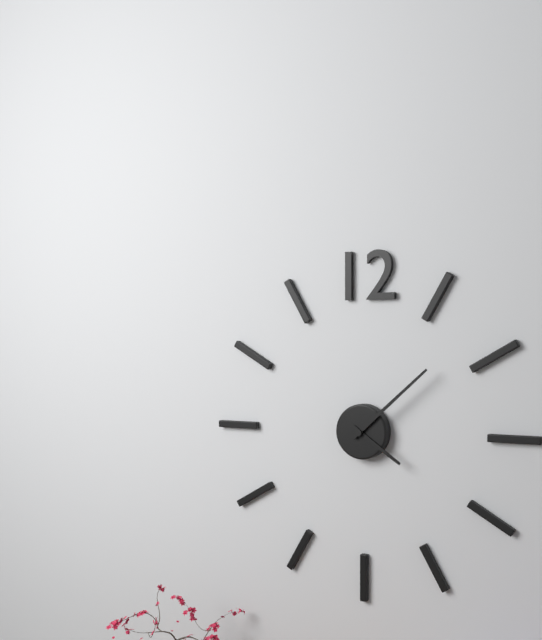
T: 4:08
